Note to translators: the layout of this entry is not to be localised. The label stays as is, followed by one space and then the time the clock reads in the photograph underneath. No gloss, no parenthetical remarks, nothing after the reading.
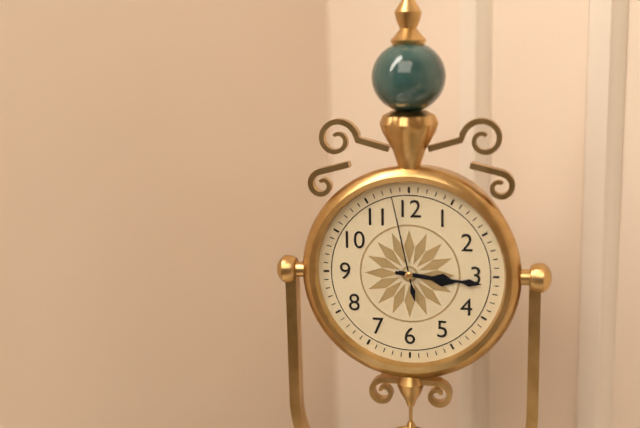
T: 3:16:58
